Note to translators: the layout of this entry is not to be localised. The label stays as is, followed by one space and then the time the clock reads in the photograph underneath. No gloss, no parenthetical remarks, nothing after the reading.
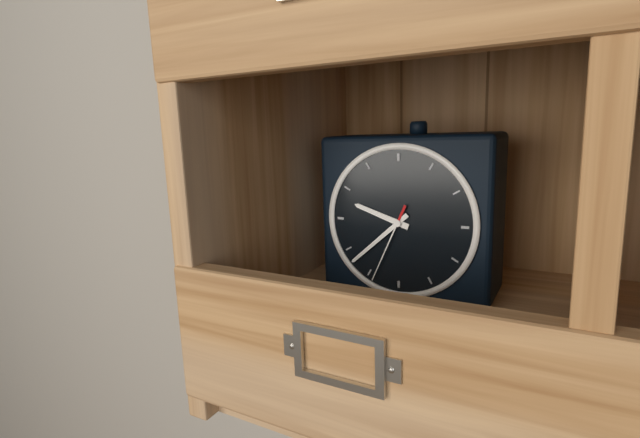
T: 9:38:34
